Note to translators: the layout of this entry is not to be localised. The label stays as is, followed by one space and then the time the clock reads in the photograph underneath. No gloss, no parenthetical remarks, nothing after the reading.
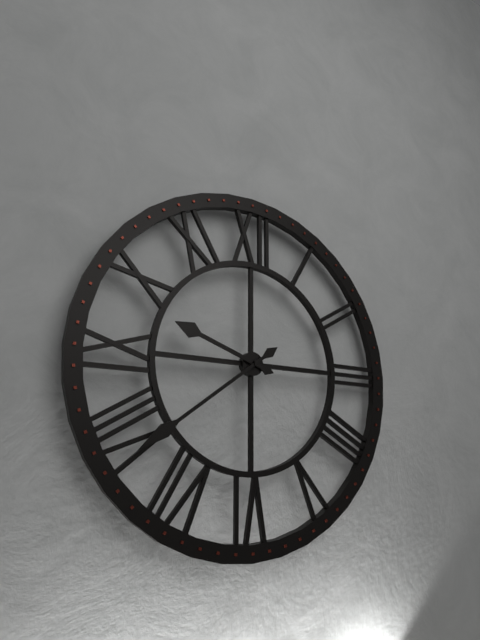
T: 9:39
